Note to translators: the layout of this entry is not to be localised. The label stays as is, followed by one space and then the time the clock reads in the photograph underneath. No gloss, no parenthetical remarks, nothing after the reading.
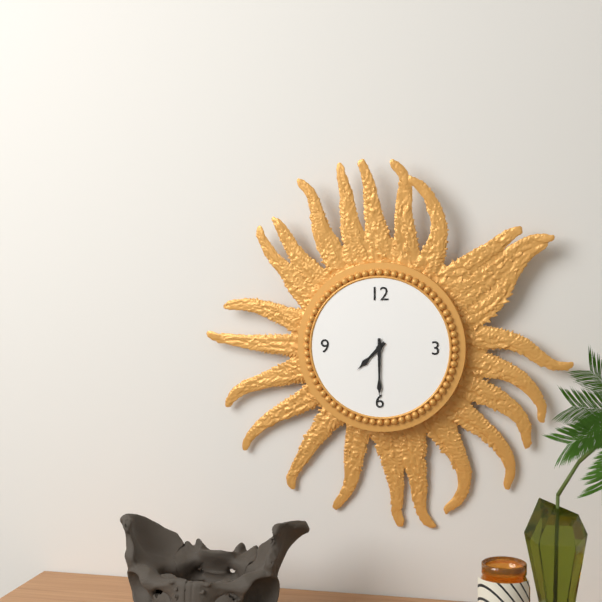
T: 7:30
